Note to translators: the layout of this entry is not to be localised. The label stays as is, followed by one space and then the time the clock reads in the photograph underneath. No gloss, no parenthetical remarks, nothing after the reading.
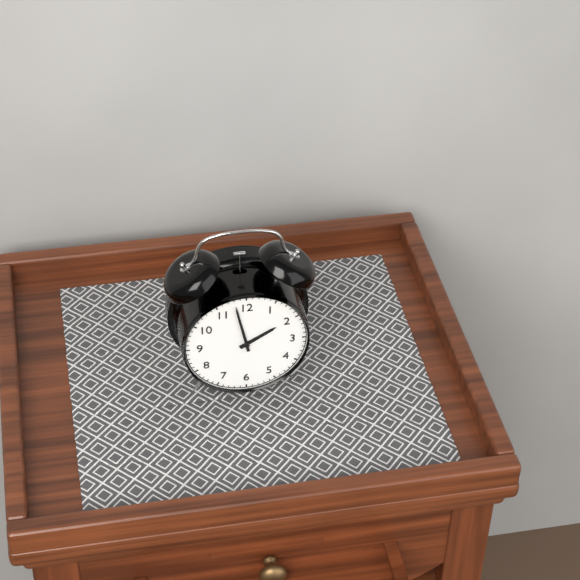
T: 1:58
